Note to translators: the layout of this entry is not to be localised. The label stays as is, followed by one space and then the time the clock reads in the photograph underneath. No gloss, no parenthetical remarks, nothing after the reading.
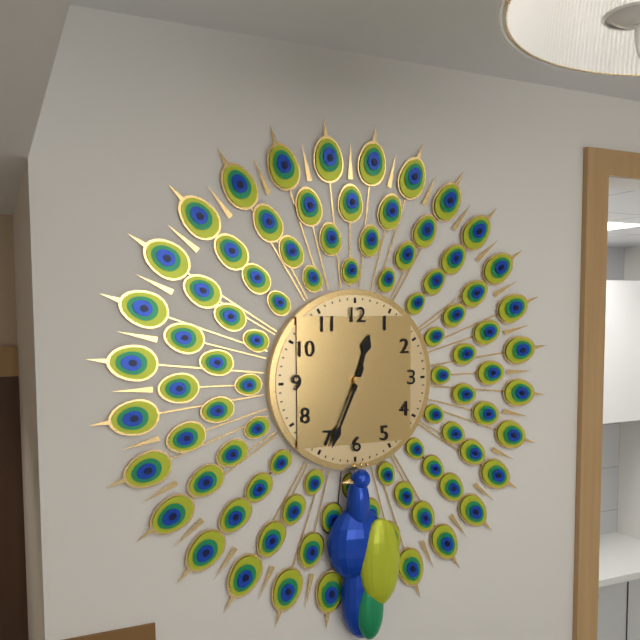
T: 12:34
